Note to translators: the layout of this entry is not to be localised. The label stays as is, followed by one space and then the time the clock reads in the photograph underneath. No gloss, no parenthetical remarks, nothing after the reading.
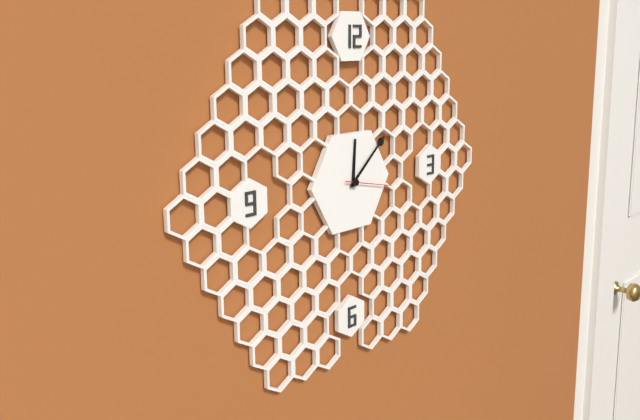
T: 12:08
